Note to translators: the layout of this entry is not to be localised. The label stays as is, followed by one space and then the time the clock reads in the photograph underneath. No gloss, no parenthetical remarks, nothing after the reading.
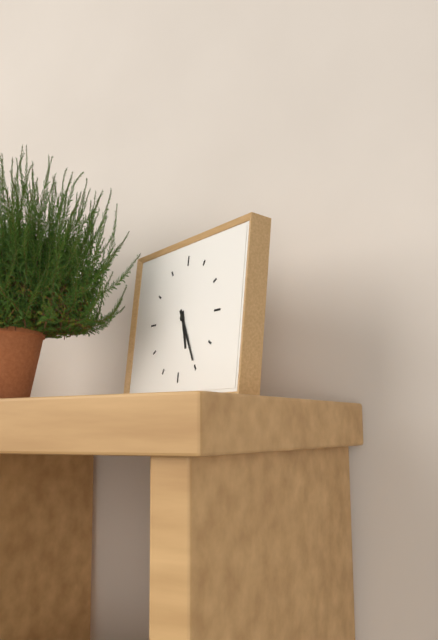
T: 5:25
